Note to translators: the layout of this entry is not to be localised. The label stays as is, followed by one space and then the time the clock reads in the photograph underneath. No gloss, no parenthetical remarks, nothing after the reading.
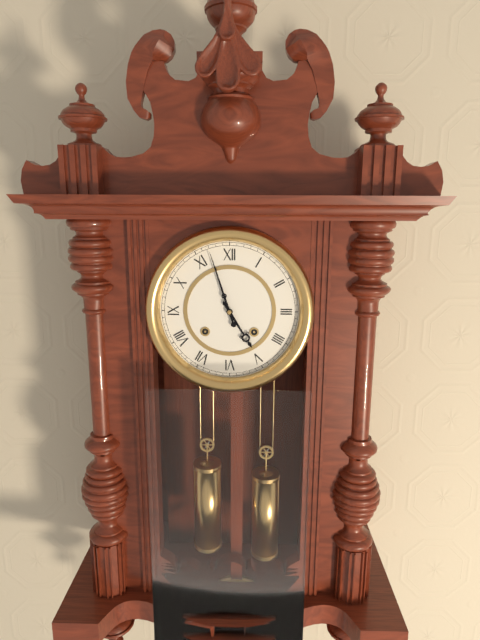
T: 4:57
